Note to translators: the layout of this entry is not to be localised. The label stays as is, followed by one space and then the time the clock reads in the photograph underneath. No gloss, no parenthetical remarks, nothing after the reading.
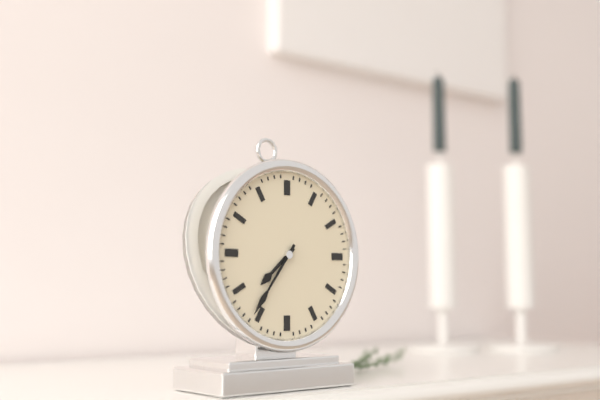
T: 7:36
